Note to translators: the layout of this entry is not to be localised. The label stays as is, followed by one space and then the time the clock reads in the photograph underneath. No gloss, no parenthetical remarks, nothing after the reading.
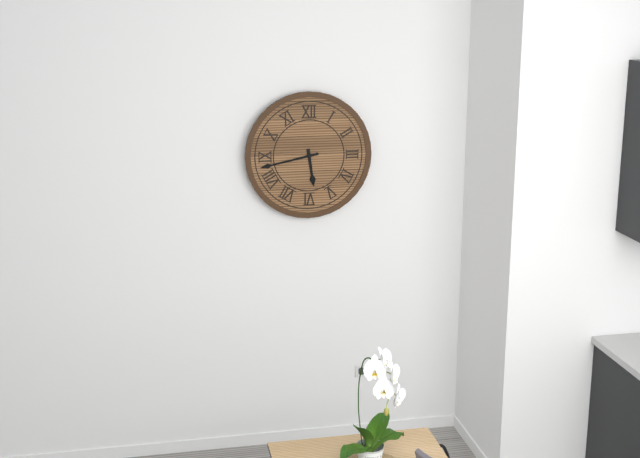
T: 5:43
